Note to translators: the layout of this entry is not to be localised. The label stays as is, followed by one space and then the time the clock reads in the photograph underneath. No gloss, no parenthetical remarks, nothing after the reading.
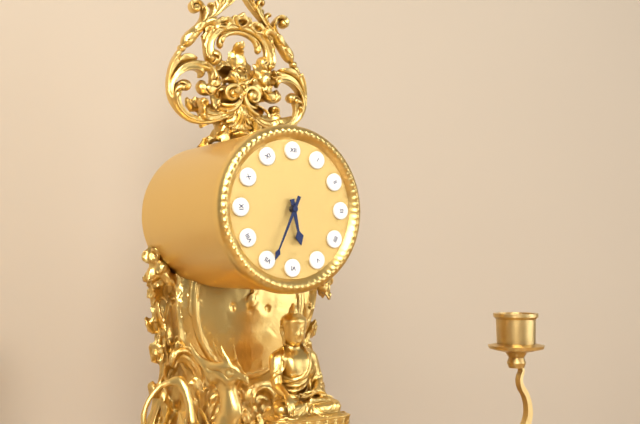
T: 5:34
